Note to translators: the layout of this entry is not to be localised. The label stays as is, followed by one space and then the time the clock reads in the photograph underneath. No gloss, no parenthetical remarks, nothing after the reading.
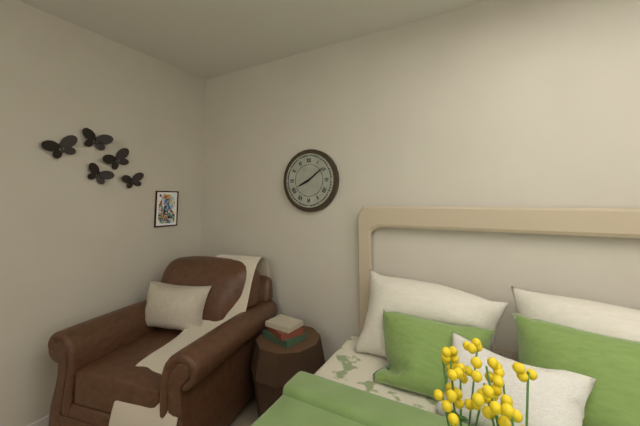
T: 8:09
